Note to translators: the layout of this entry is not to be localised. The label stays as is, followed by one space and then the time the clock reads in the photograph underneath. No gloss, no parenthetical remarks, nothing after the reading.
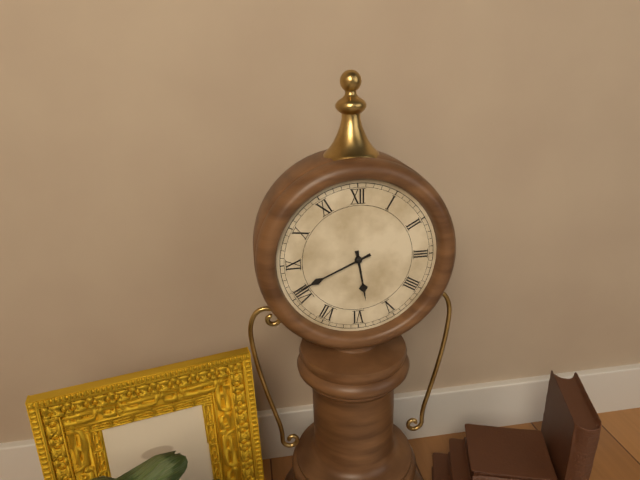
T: 5:41
